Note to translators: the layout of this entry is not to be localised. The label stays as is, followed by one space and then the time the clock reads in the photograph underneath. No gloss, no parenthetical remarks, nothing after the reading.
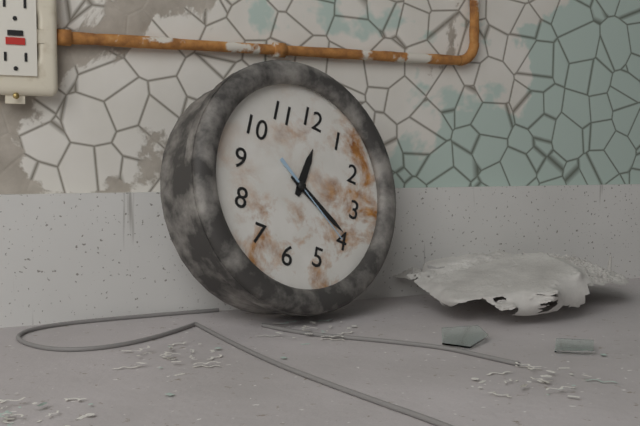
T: 12:19:20
